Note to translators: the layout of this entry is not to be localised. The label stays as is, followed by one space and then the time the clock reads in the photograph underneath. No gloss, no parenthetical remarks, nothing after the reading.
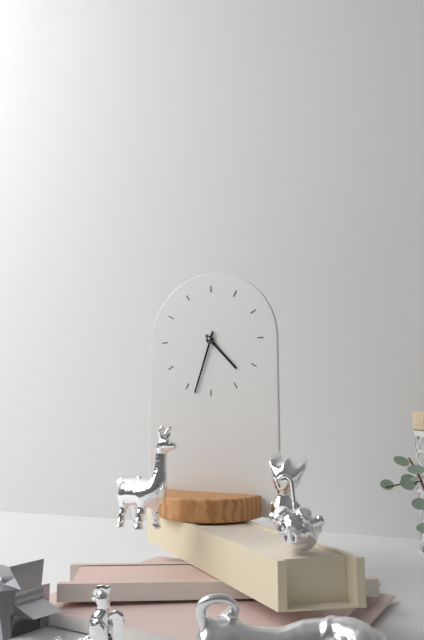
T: 4:33
